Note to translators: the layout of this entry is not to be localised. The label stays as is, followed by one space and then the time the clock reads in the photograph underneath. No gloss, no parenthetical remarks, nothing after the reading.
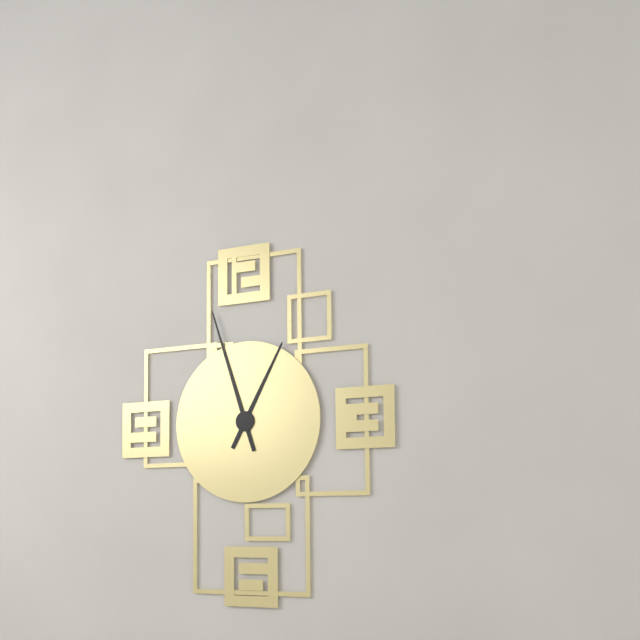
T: 12:57
